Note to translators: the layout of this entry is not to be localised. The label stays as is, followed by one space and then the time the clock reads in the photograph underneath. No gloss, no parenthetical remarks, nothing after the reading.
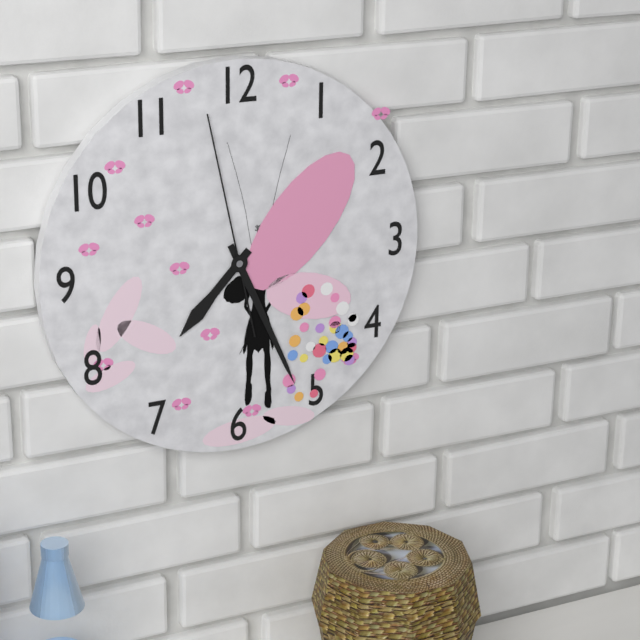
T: 7:26:58
